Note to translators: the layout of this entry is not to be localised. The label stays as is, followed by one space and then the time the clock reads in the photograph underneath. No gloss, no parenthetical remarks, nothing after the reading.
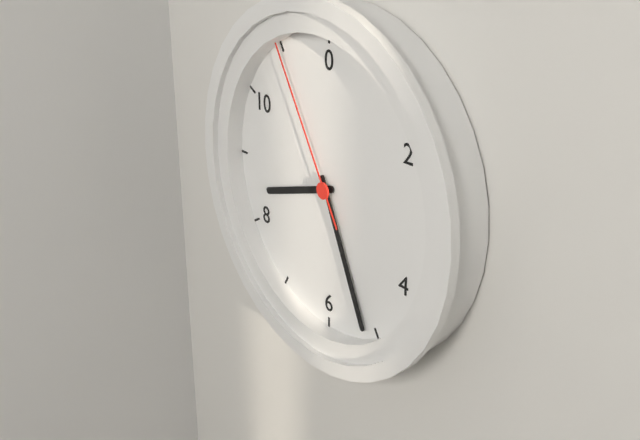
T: 8:26:55
